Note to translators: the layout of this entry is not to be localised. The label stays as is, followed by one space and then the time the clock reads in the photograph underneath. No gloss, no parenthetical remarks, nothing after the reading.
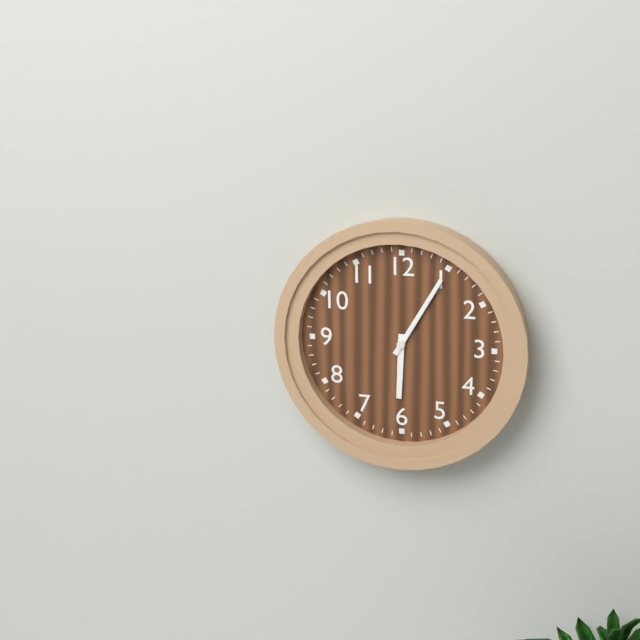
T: 6:05
